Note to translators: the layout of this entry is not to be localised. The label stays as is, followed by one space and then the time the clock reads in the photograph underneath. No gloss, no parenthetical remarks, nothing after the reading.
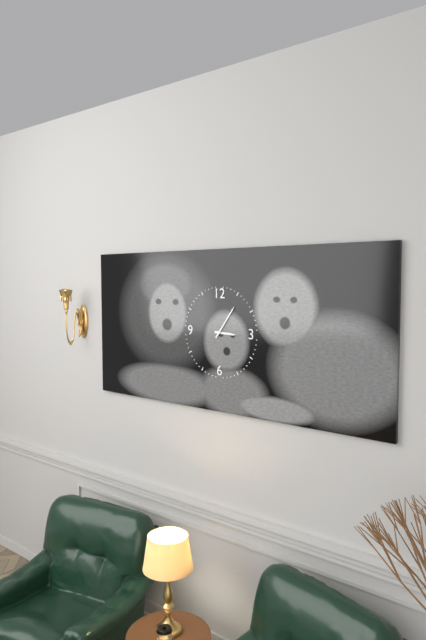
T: 3:06
